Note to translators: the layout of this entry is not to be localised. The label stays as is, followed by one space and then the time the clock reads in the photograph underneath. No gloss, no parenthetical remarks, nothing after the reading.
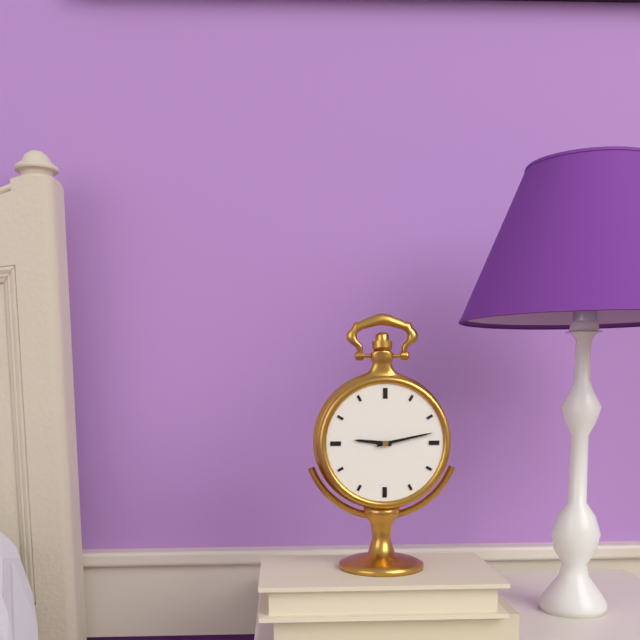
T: 9:13
